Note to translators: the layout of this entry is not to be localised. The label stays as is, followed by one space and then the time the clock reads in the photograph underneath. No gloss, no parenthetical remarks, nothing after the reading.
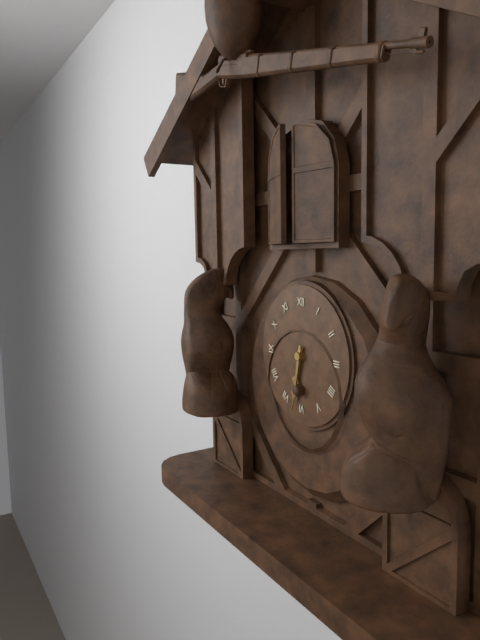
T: 6:32
